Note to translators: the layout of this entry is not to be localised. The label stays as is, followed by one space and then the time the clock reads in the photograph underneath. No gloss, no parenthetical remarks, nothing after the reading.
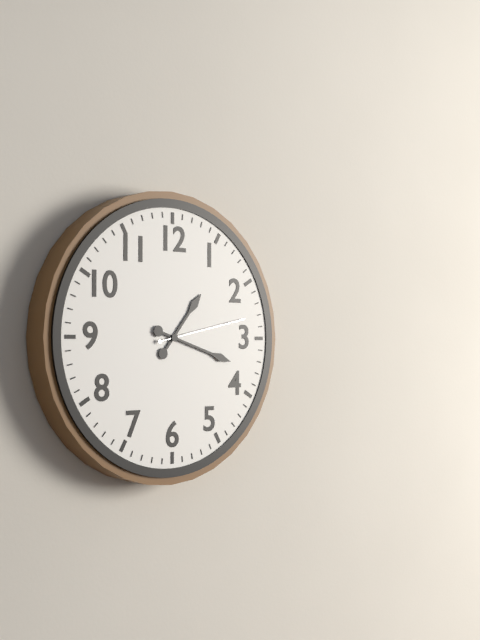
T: 1:18:13
